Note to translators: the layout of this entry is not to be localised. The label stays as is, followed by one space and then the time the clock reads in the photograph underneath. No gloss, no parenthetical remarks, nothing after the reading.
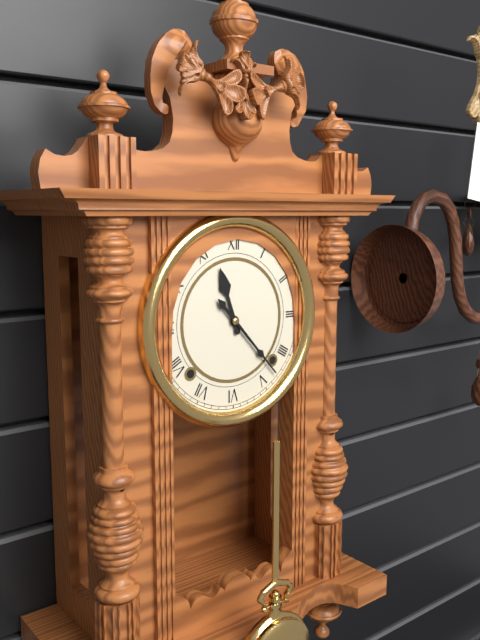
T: 11:23
